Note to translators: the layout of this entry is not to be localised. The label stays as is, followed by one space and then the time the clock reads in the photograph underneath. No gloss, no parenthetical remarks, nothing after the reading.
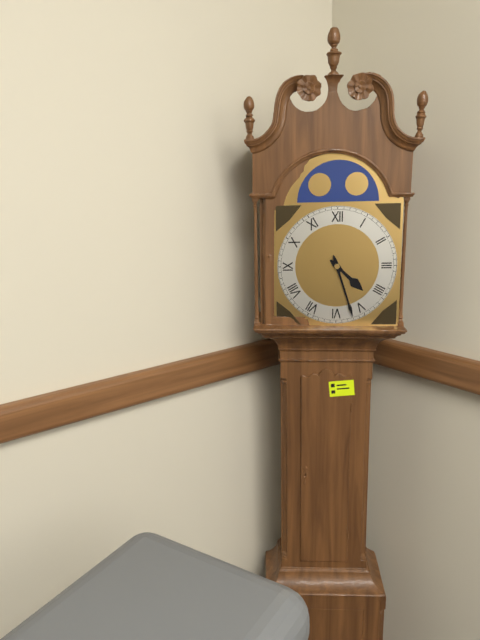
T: 4:27
